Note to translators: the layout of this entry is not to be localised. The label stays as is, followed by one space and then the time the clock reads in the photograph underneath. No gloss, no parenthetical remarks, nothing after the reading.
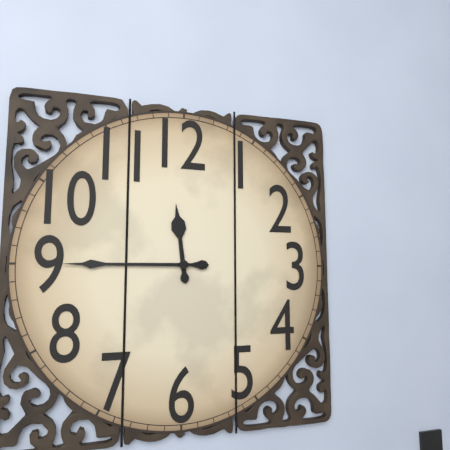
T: 11:45
